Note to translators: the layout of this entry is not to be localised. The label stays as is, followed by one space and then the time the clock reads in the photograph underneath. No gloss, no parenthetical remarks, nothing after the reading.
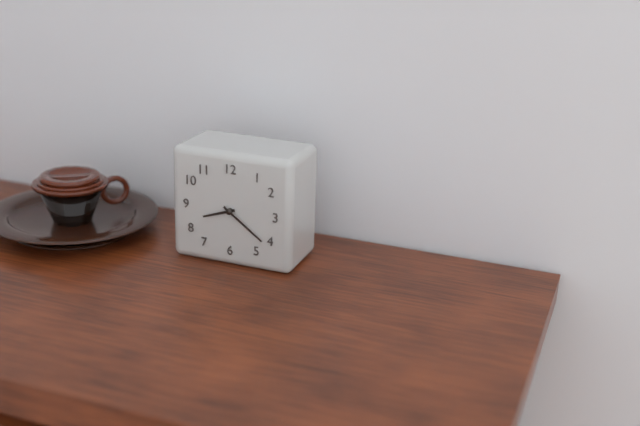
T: 8:21
